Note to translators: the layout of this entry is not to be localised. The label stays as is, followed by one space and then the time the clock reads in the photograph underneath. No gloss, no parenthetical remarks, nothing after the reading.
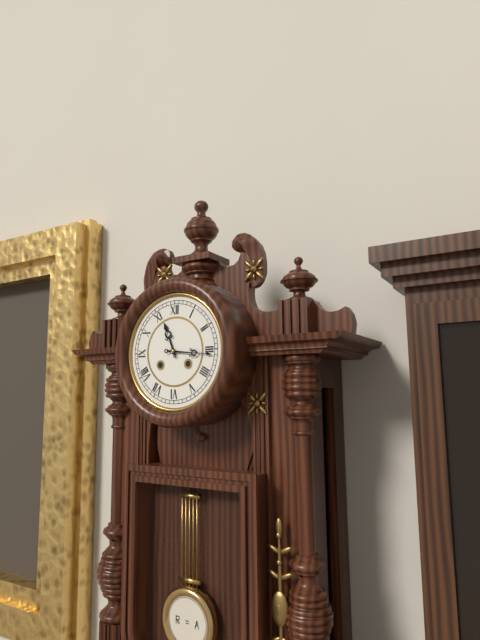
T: 11:16
